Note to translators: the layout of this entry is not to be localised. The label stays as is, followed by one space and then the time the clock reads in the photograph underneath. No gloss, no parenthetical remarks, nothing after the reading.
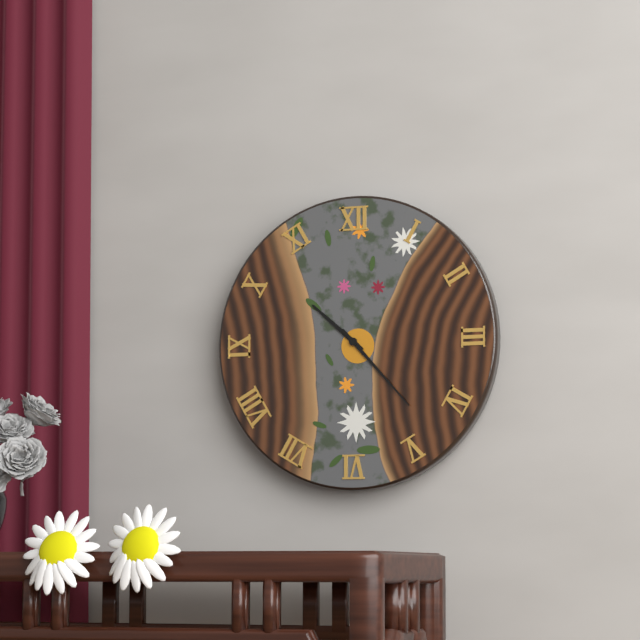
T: 10:23
